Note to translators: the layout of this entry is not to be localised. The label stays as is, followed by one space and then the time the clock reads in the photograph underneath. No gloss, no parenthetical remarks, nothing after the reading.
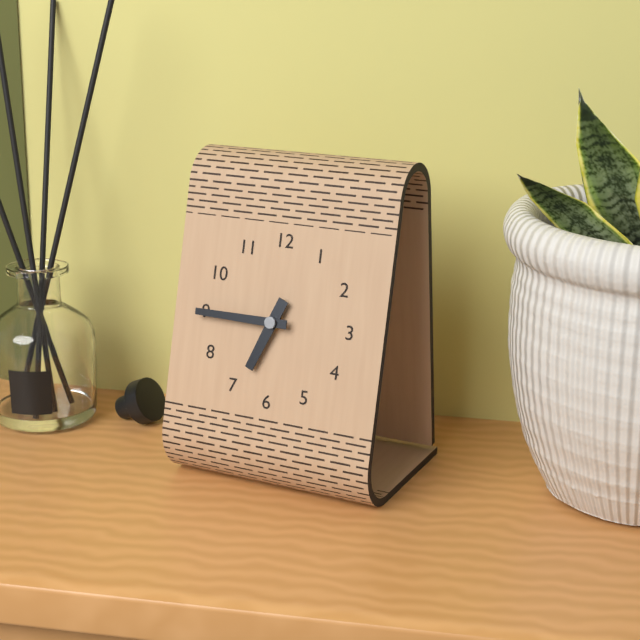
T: 6:45
